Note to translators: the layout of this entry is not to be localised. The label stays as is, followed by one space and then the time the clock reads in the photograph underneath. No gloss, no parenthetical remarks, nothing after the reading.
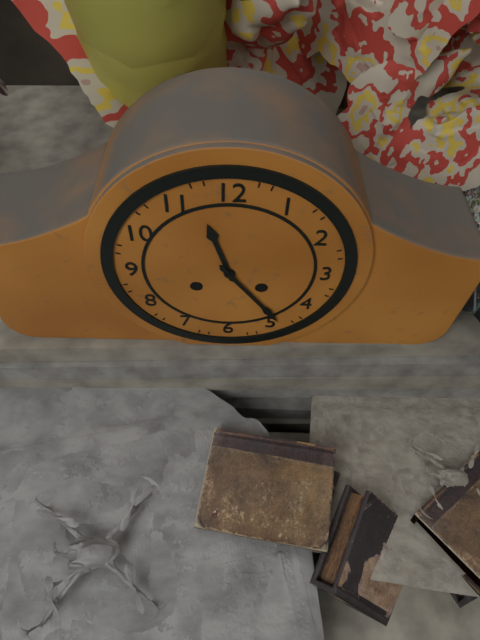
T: 11:24
